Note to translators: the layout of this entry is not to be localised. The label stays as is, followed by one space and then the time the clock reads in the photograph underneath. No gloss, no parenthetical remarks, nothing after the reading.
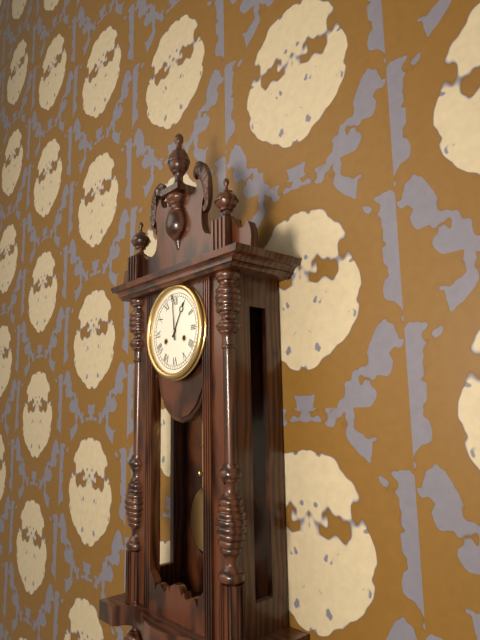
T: 12:59
